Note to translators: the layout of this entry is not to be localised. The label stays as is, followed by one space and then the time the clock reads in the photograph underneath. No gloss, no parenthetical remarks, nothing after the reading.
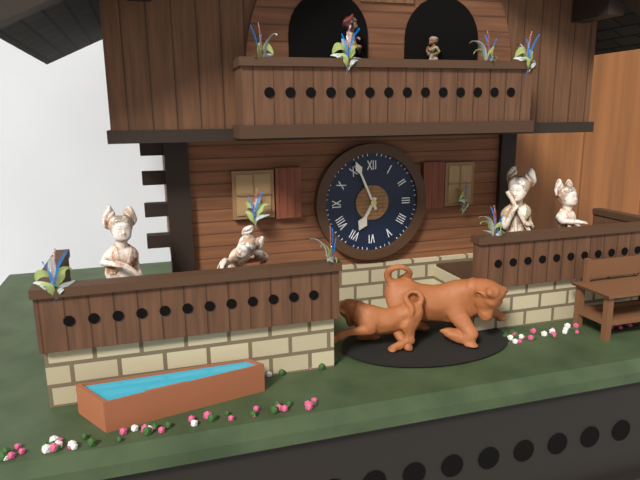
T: 6:56
